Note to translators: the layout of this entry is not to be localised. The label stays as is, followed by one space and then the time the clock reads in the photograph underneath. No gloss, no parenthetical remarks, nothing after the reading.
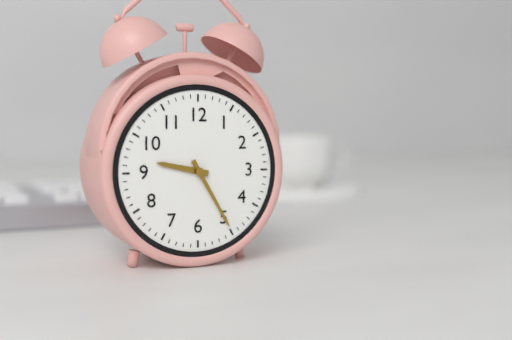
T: 9:25
